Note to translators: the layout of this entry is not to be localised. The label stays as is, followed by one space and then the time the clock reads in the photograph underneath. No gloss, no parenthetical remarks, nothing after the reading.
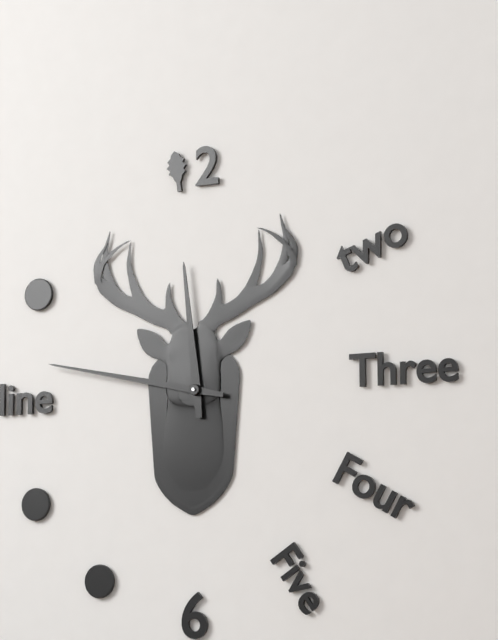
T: 11:47
